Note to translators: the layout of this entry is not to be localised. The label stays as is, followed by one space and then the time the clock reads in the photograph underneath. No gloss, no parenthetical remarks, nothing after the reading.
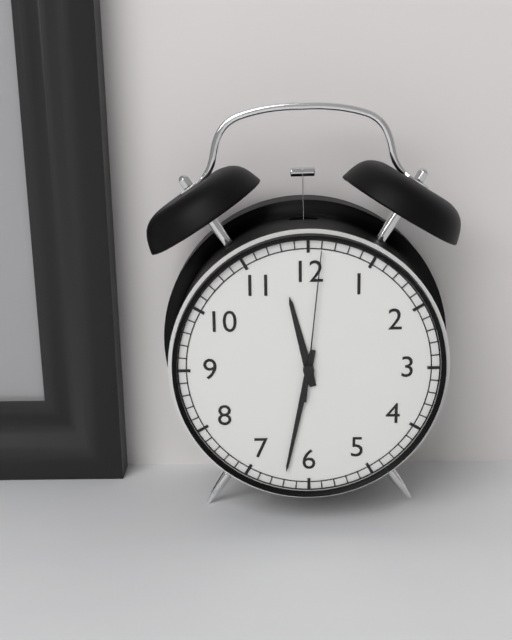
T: 11:32:01
